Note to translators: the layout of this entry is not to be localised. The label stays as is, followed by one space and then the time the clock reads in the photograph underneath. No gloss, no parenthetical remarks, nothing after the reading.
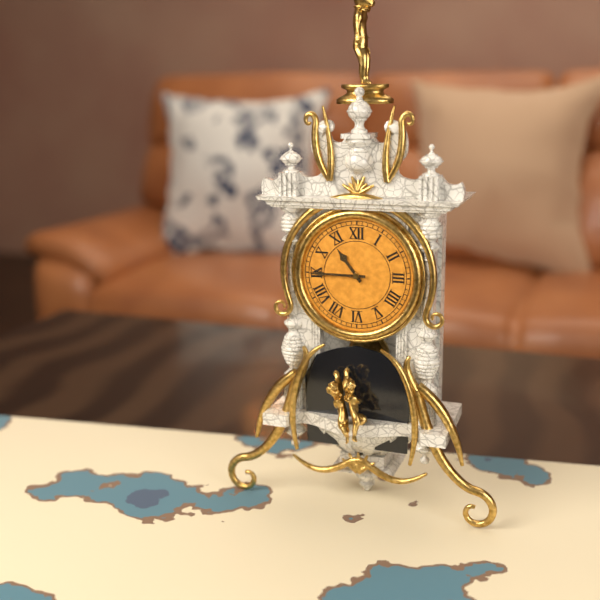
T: 10:45
